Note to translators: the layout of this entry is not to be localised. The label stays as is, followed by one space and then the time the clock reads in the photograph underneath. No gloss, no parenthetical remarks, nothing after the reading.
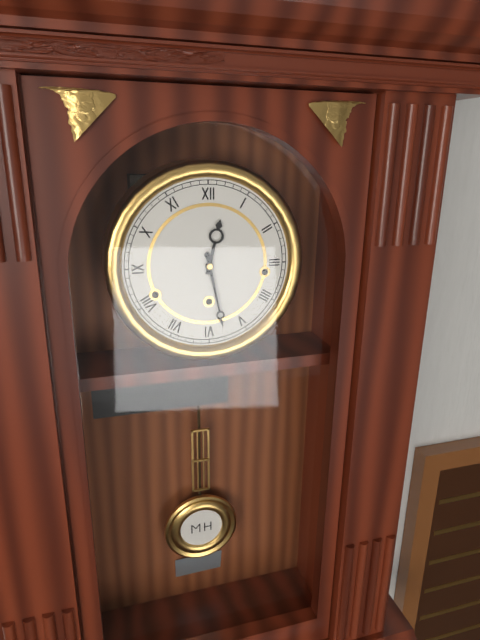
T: 12:28
